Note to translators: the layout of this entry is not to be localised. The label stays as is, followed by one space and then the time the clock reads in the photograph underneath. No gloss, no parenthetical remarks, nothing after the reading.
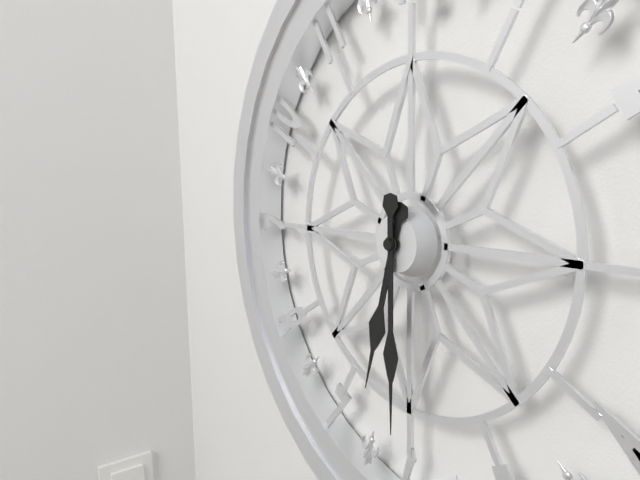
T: 6:30
